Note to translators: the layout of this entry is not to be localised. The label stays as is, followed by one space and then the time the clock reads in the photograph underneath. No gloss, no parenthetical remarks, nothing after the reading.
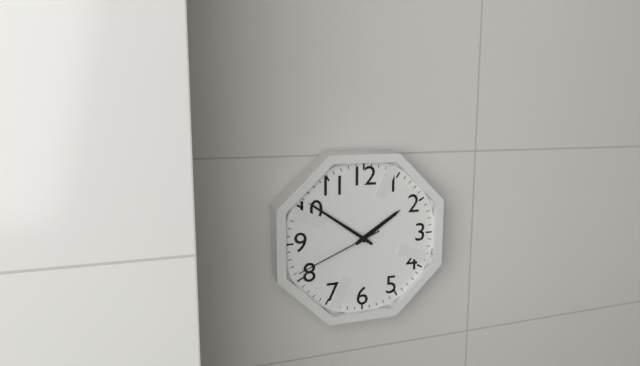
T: 1:51:41
